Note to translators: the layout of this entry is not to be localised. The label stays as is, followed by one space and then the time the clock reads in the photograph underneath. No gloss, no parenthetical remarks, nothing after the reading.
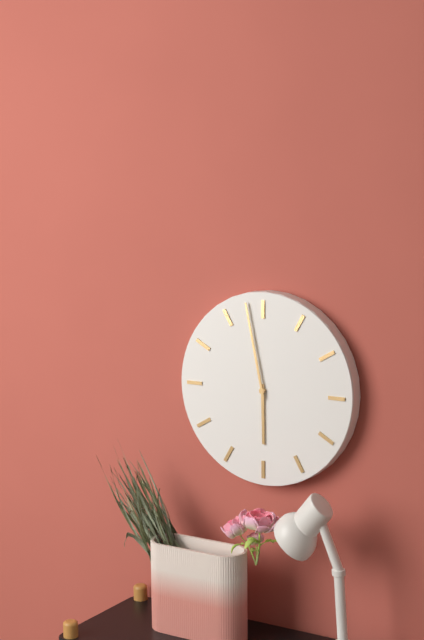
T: 5:58
